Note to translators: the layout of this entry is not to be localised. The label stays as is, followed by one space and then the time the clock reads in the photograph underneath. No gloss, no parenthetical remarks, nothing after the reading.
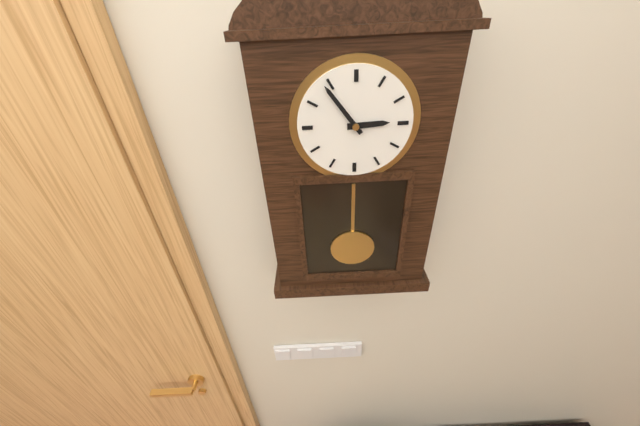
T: 2:54
